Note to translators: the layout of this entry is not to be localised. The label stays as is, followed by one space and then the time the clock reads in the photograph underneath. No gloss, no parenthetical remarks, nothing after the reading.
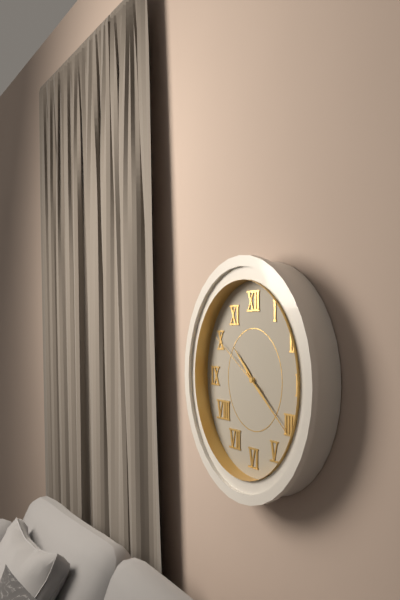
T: 10:21:50
